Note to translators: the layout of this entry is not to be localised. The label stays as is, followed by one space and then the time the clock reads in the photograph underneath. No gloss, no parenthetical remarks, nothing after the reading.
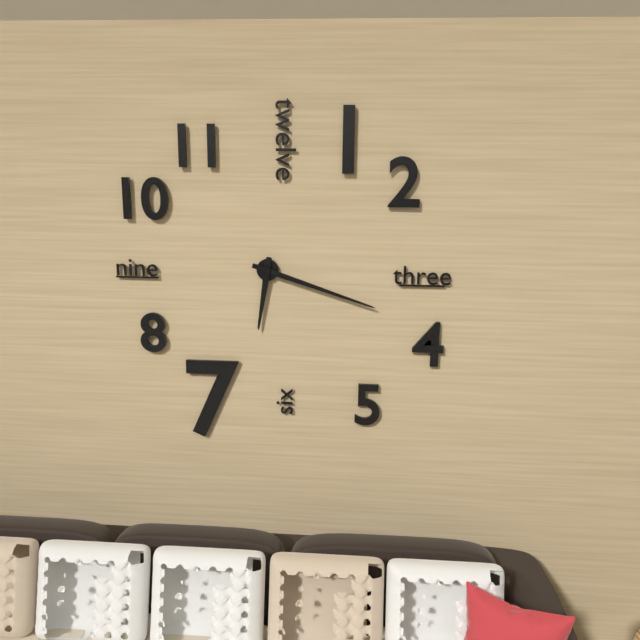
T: 6:18
